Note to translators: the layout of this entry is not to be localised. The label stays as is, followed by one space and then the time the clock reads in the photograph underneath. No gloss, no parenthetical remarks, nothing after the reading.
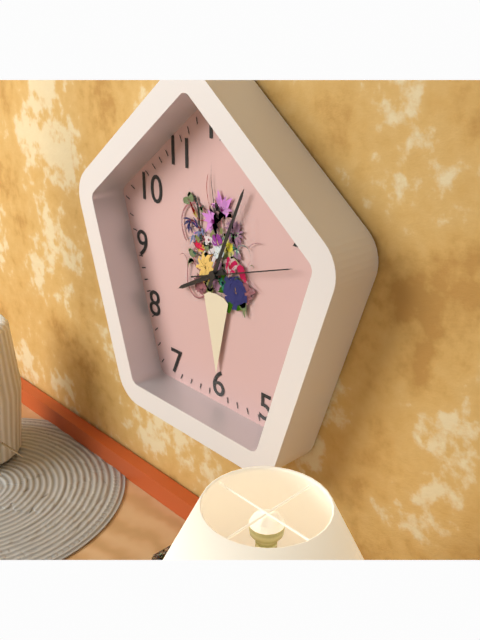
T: 8:04:12
